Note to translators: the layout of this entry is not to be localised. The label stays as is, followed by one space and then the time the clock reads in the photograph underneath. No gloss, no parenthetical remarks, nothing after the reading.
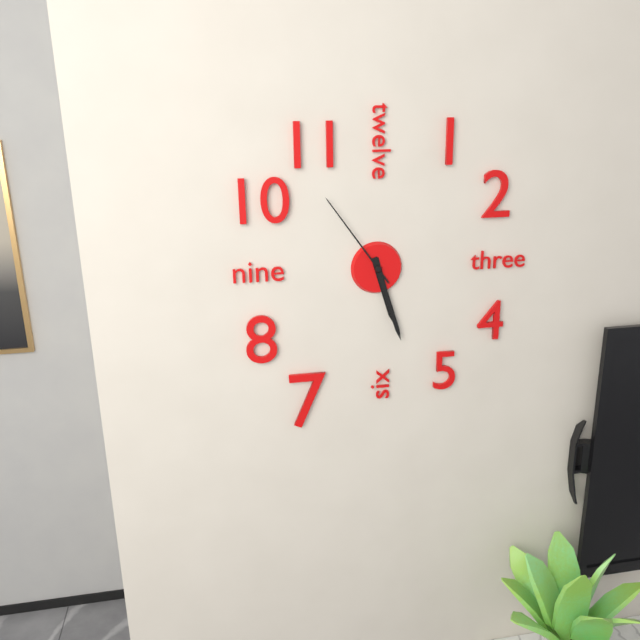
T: 5:27:54
